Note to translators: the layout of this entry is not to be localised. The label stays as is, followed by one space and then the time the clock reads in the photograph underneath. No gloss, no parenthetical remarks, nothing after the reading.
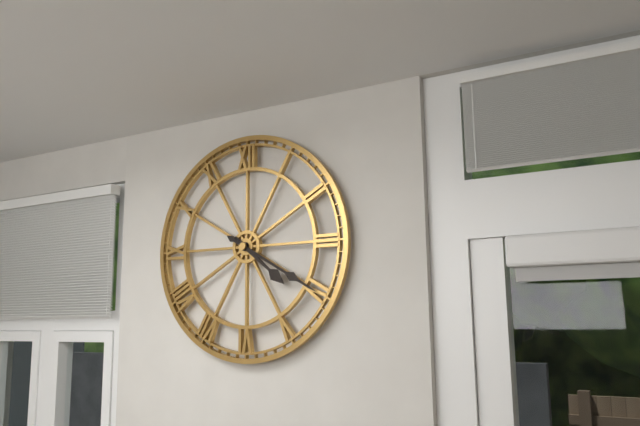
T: 4:20
